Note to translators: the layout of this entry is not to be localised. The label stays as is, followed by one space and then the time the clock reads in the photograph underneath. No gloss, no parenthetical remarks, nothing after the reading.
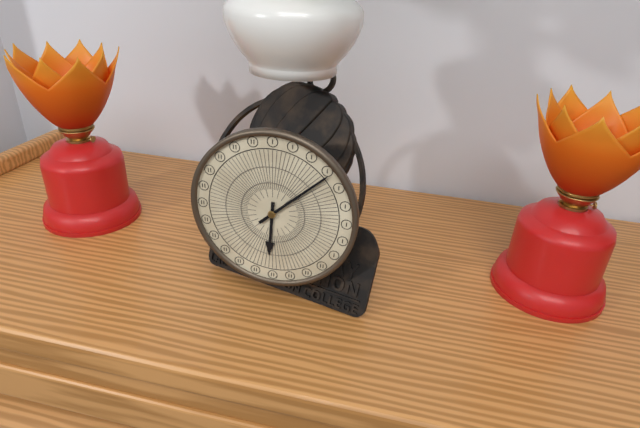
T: 6:08
